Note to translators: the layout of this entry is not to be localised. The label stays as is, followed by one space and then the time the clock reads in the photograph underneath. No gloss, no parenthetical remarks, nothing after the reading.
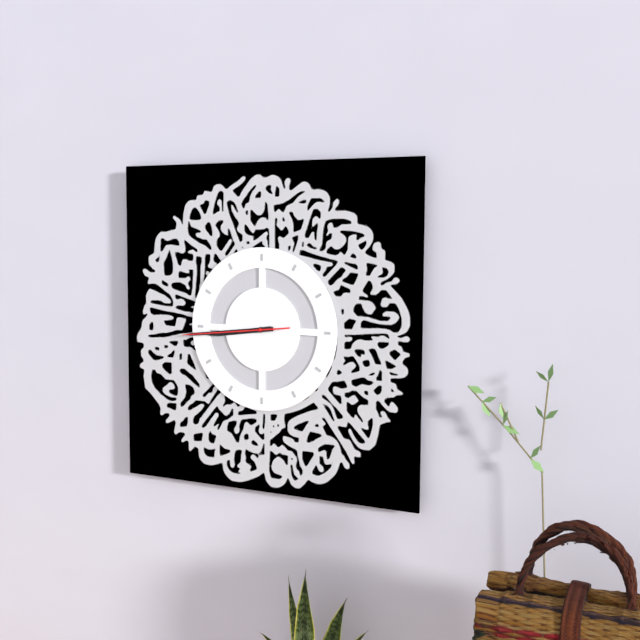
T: 8:44:44
